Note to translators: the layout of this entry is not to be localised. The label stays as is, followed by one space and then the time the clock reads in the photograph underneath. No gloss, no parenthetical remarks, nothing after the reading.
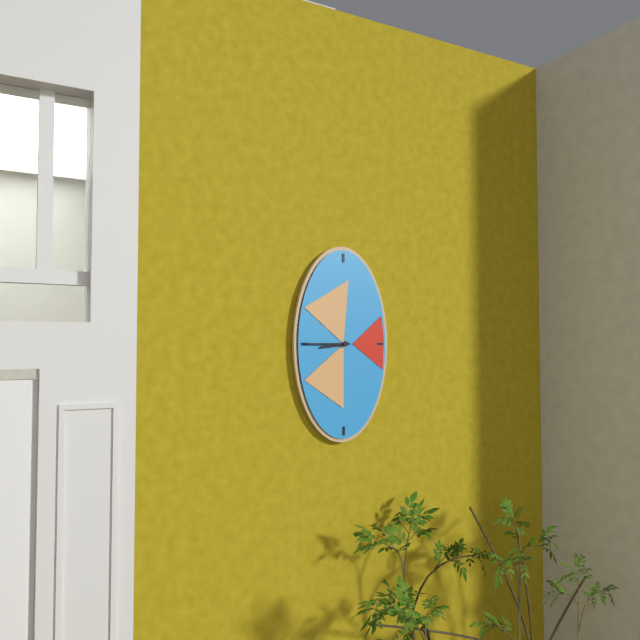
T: 8:45
